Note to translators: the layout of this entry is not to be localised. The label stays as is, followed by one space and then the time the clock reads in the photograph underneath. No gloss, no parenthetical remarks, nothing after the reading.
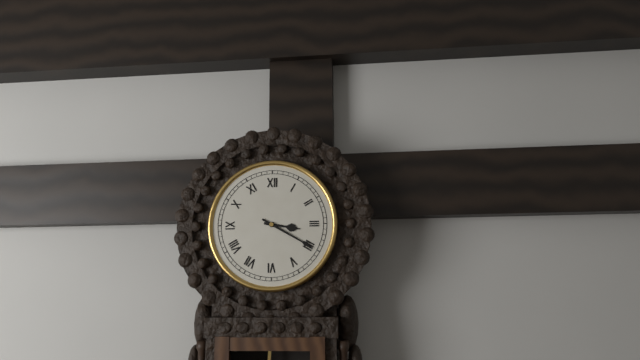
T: 3:20
